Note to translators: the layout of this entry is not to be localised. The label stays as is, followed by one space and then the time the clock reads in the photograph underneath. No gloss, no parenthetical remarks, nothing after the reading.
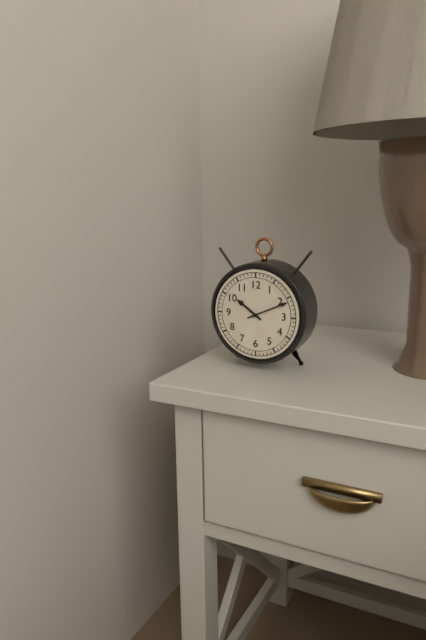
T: 10:11
